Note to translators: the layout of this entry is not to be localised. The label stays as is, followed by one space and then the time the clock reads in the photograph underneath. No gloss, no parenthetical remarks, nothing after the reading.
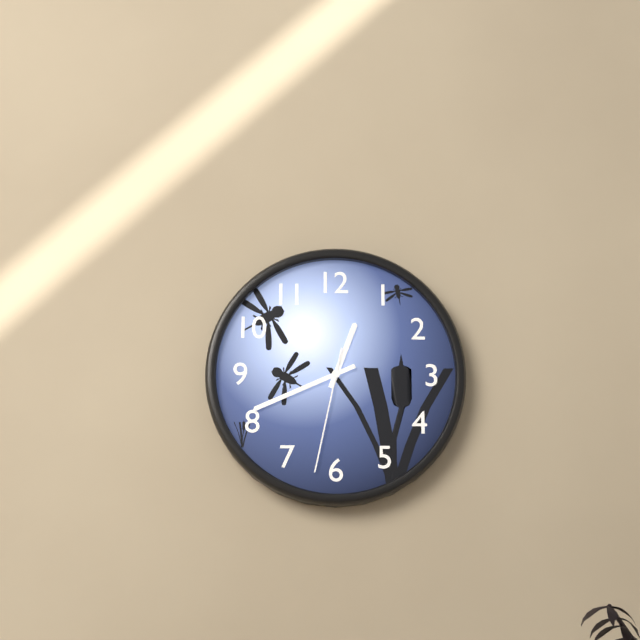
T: 12:41:32
